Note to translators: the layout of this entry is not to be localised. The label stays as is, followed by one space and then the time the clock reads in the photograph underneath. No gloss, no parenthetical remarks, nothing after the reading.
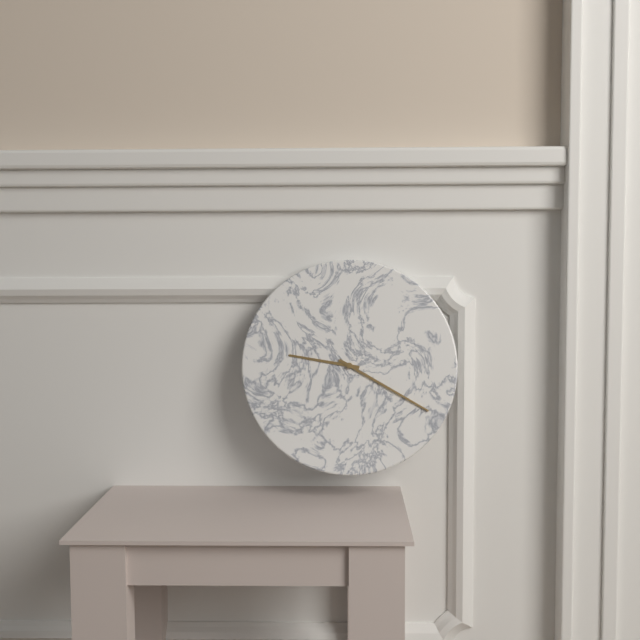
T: 9:20
